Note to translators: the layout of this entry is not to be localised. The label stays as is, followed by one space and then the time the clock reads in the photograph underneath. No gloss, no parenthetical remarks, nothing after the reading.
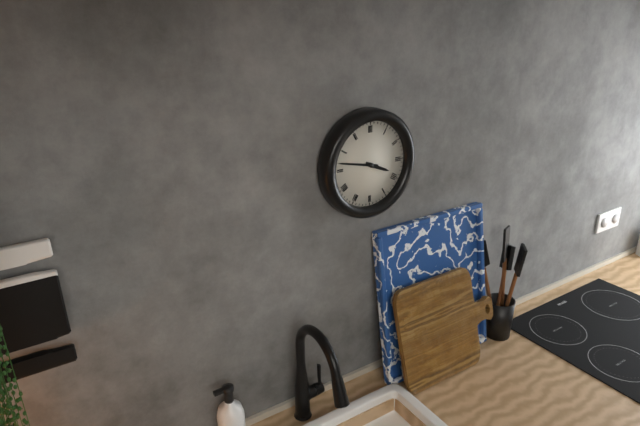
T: 3:47
